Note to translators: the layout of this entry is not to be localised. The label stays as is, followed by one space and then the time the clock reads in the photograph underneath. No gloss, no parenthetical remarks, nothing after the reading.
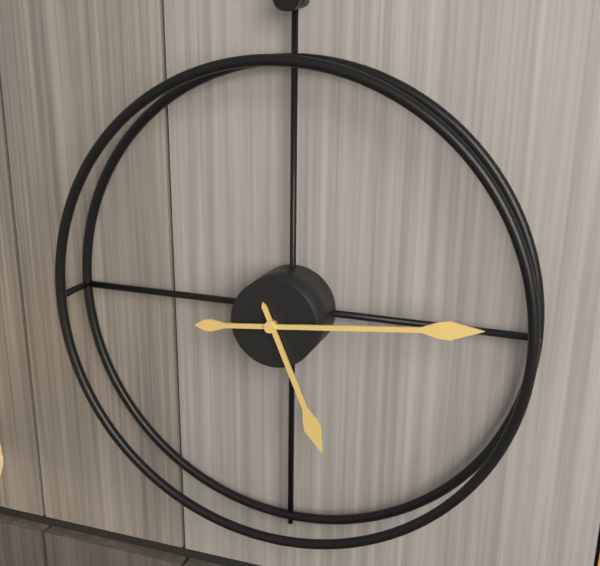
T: 5:14
